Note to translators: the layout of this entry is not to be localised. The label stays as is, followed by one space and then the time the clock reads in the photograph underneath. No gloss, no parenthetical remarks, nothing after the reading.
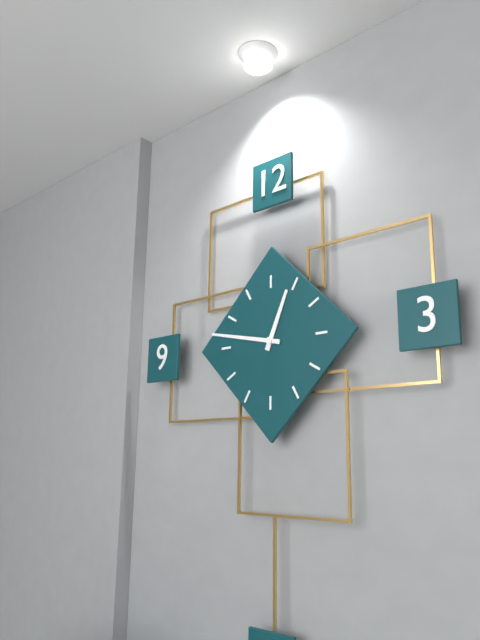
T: 12:47
